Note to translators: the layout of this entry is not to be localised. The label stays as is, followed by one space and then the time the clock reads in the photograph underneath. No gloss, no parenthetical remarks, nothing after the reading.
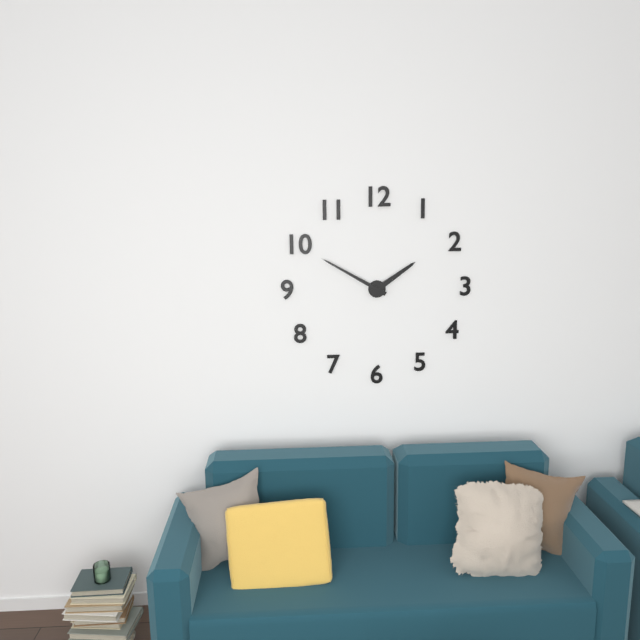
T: 1:50
